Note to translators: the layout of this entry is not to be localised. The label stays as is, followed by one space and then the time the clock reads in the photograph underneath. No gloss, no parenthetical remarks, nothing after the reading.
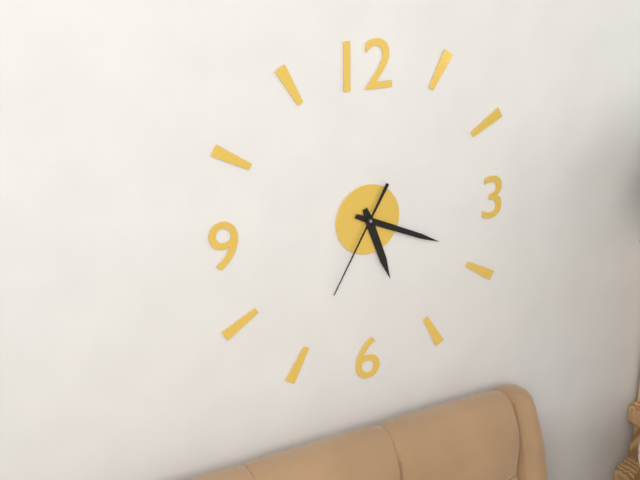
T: 5:19:35
